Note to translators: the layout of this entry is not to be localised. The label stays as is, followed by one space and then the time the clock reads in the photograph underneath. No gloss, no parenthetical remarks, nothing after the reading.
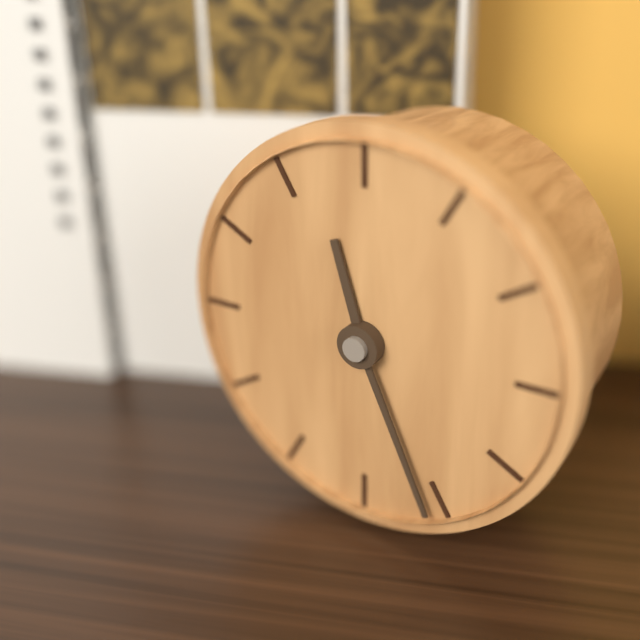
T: 11:26
